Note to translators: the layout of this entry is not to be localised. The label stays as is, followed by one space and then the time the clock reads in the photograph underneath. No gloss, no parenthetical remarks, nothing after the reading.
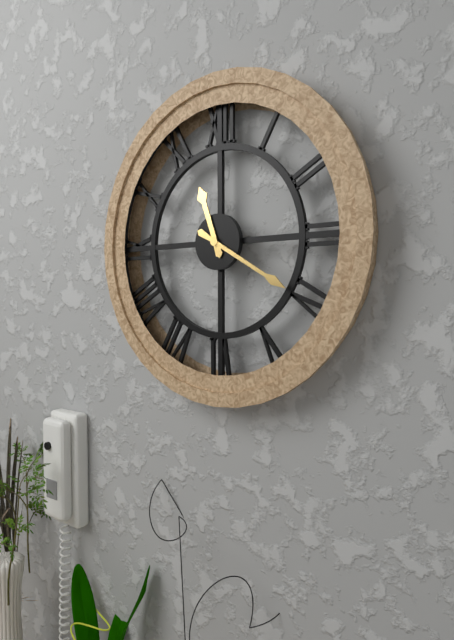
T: 11:20
